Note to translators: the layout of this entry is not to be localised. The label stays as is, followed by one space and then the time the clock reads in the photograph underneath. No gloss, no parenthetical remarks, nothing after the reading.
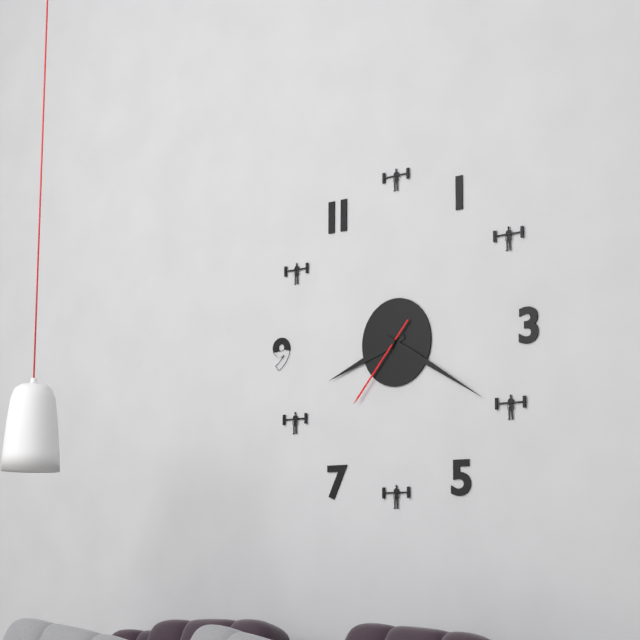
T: 8:20:37
